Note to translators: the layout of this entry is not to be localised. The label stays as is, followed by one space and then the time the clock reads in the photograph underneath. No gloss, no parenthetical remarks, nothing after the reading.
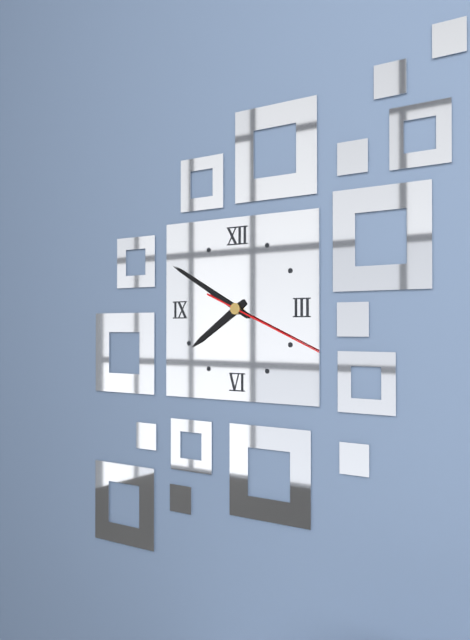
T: 7:50:19
